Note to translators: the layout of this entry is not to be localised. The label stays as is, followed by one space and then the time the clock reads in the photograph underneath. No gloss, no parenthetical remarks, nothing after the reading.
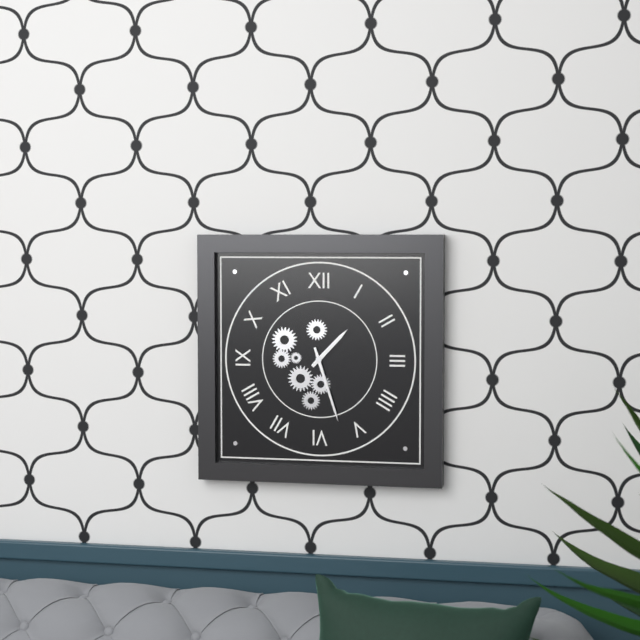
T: 1:27
